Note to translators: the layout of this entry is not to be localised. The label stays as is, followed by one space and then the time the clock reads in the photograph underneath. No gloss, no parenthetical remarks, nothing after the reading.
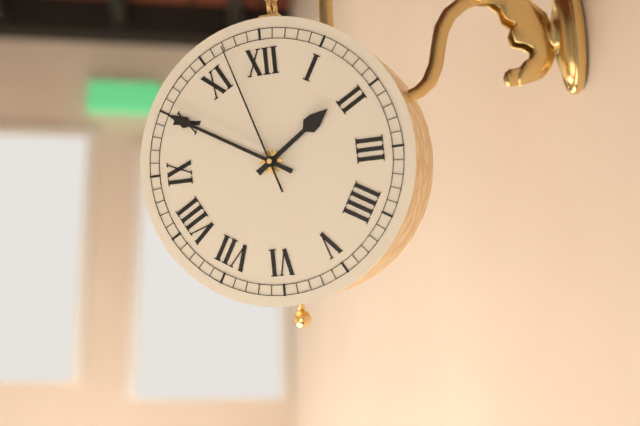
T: 1:50:57
